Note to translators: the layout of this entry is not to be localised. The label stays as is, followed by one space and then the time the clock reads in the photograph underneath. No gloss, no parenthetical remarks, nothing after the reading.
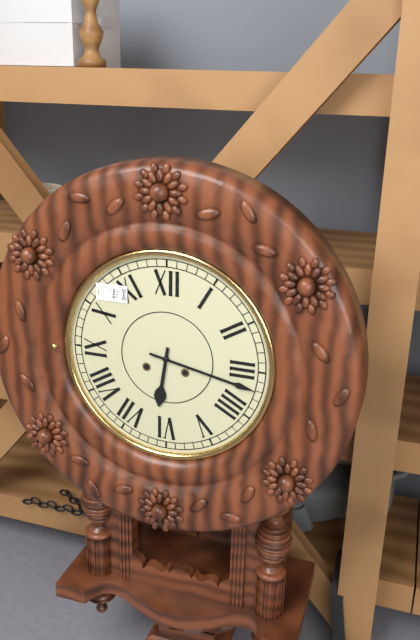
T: 6:17
